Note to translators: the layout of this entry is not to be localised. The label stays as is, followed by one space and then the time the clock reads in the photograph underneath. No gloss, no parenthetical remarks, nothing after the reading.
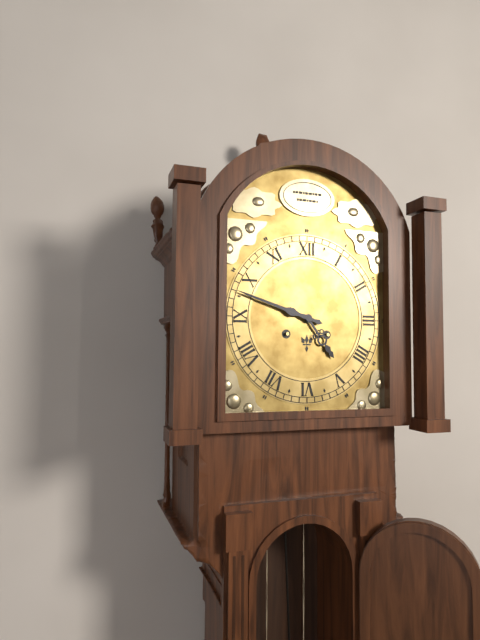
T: 4:48
